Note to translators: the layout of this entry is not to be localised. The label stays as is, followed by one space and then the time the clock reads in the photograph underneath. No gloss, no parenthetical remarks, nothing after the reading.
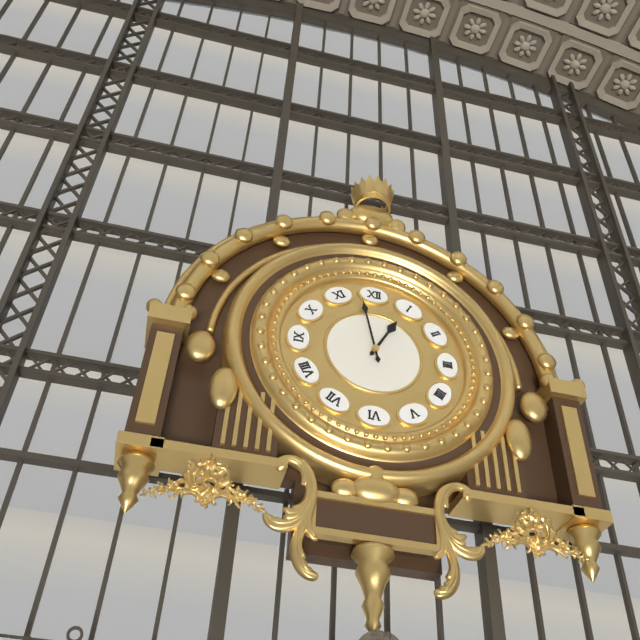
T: 12:58
